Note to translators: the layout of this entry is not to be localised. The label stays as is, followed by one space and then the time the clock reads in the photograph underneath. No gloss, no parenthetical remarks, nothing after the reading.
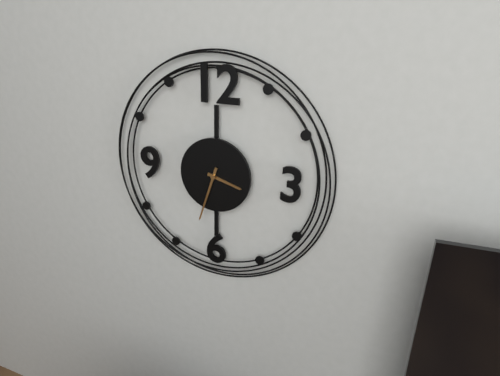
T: 3:33
